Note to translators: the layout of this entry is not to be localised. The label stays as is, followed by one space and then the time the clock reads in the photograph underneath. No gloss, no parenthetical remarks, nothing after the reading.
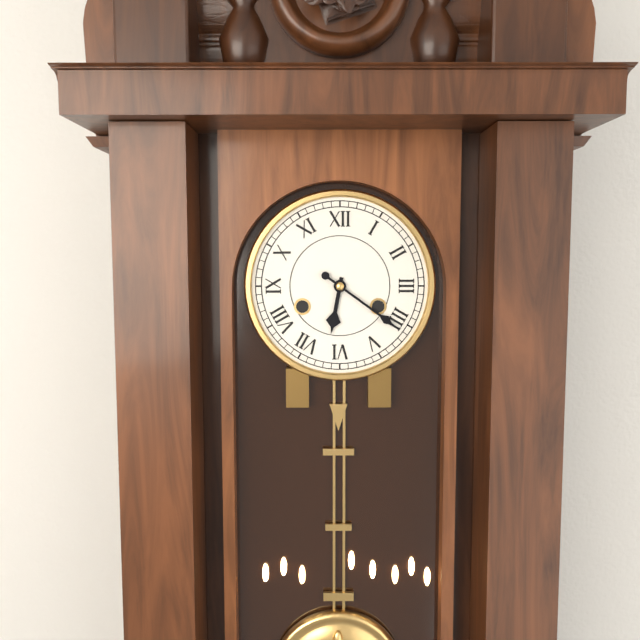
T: 6:21
